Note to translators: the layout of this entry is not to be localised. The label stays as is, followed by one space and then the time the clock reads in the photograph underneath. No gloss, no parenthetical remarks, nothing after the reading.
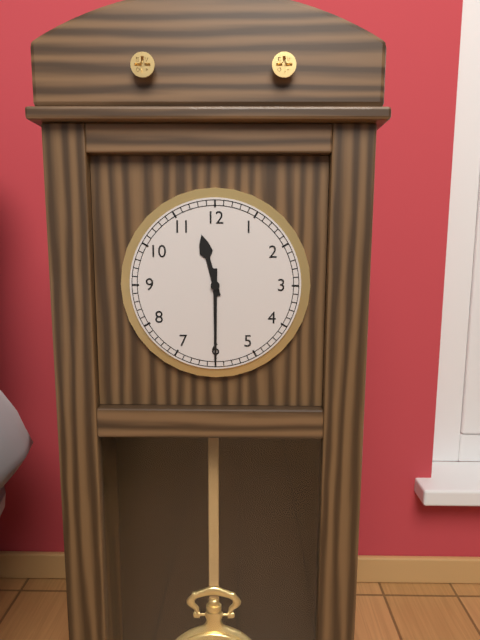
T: 11:30
